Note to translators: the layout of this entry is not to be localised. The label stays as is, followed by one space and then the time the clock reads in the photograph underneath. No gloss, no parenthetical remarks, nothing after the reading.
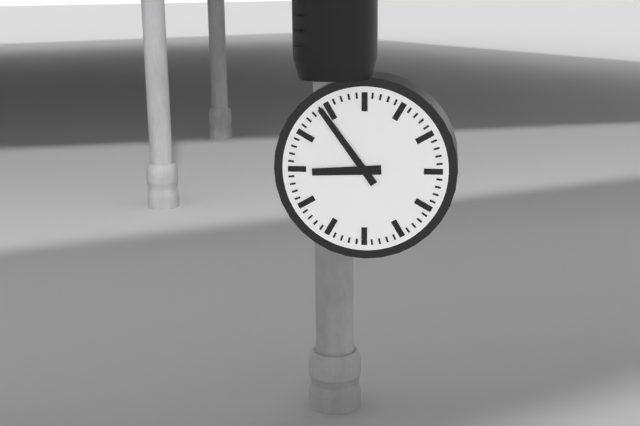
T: 8:54
